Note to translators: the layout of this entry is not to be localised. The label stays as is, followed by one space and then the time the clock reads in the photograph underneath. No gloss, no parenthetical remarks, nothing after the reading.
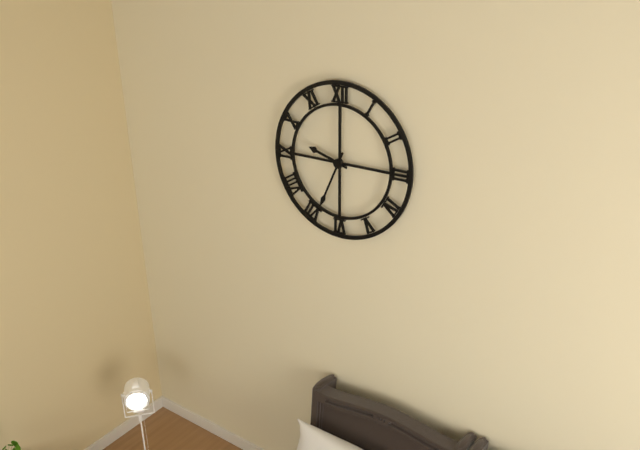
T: 9:34
